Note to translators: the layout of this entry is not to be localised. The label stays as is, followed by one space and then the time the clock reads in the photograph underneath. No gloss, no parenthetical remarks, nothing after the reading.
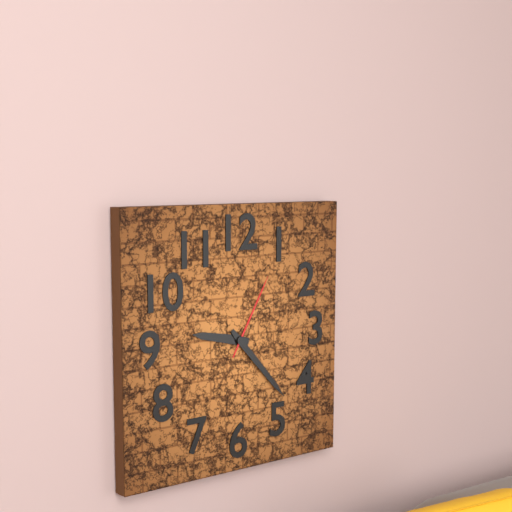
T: 9:23:05
